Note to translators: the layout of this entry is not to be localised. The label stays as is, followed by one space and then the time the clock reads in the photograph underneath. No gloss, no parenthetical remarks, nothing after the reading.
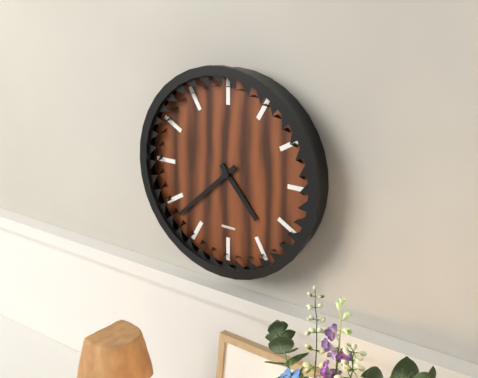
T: 4:38
